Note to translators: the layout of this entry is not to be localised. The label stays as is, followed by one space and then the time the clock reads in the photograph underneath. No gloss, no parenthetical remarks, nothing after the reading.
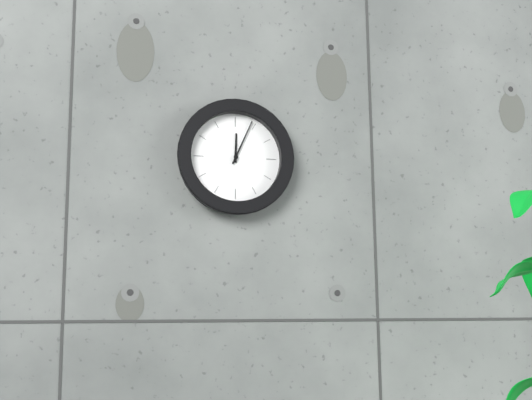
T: 12:04
